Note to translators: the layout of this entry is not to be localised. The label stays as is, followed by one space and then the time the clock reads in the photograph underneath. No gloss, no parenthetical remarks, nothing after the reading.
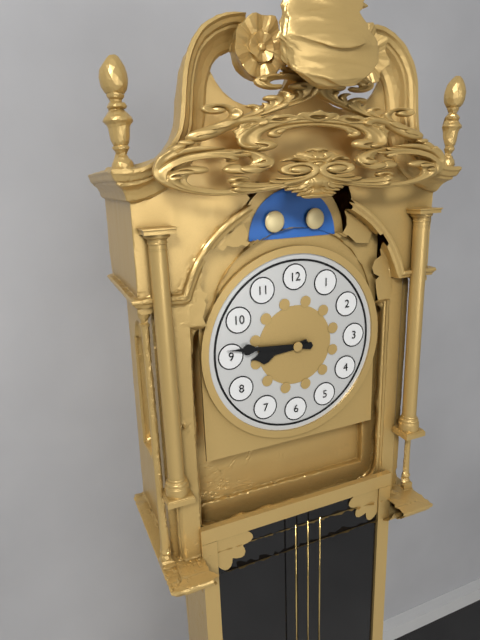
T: 8:46
